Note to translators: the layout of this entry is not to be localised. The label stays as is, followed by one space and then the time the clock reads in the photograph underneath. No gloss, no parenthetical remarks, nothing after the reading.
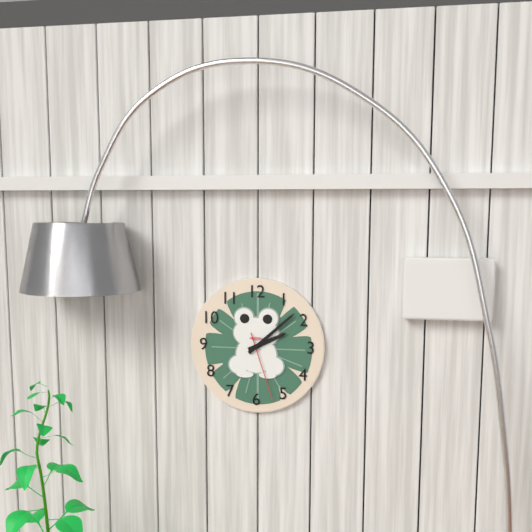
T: 2:08:27
